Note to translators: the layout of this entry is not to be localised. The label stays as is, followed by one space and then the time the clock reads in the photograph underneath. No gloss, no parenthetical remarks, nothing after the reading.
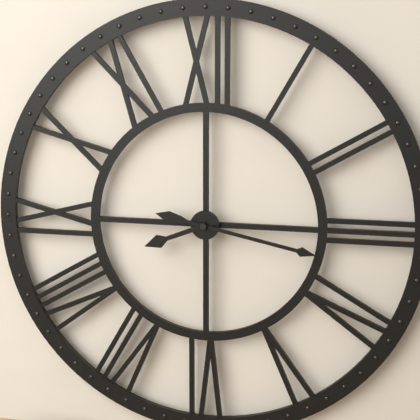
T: 8:17
